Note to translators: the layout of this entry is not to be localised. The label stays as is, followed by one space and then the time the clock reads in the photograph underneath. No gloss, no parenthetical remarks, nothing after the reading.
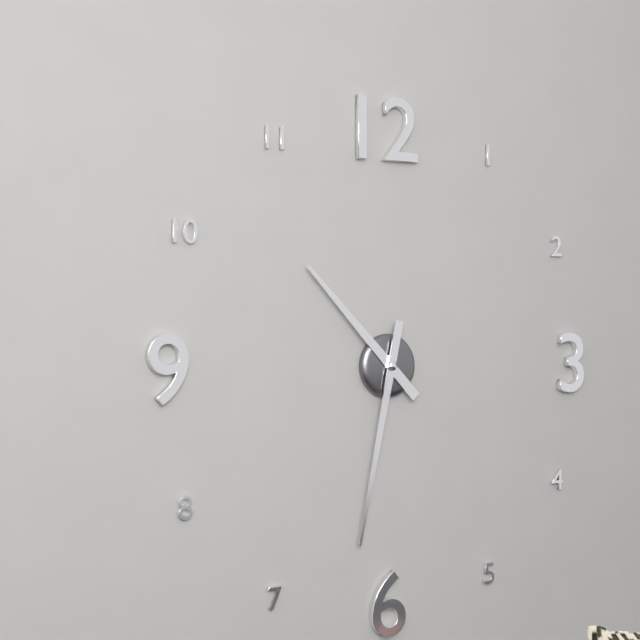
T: 10:32
